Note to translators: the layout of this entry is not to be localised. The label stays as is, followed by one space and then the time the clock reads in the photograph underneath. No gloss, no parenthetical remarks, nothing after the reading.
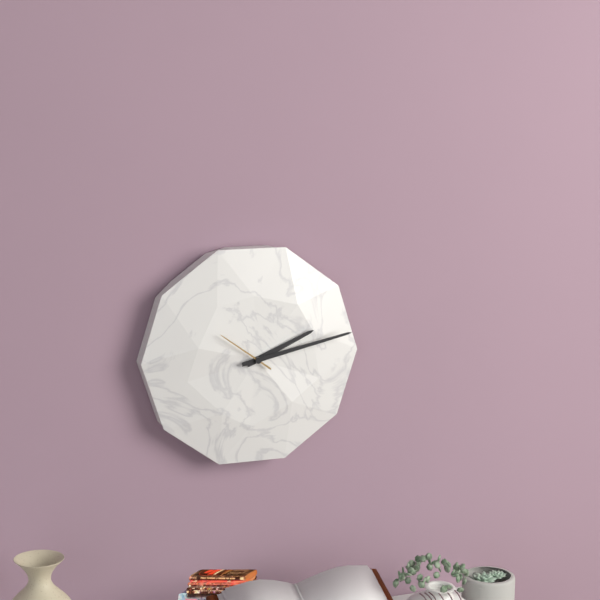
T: 2:13:51
